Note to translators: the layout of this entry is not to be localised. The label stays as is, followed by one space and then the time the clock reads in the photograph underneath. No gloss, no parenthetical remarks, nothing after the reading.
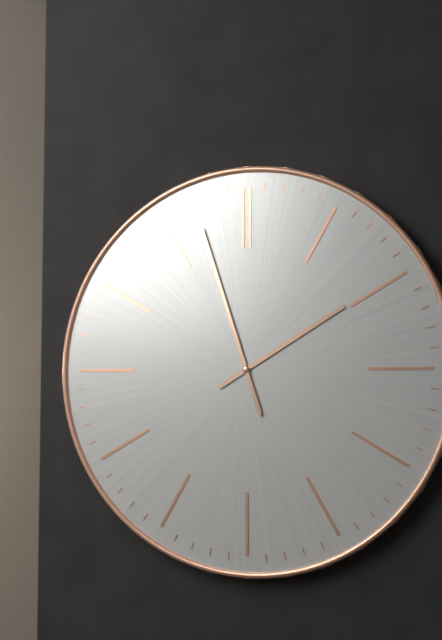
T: 1:57
